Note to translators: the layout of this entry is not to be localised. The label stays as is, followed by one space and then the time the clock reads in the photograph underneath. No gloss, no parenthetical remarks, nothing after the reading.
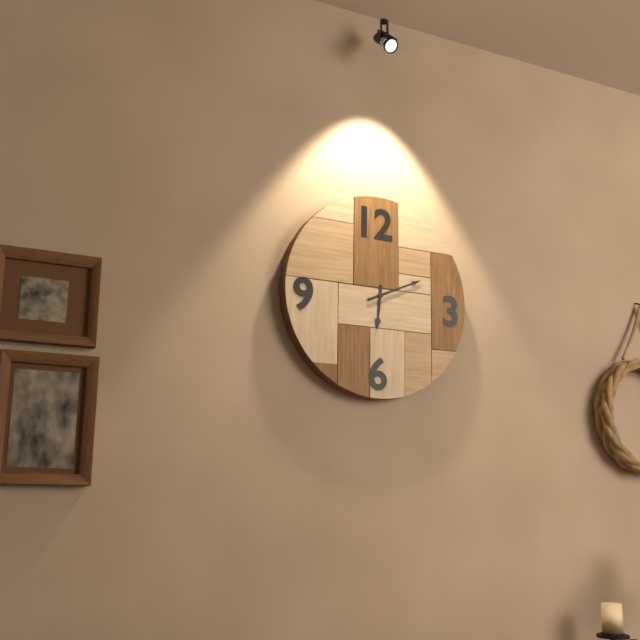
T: 6:11
